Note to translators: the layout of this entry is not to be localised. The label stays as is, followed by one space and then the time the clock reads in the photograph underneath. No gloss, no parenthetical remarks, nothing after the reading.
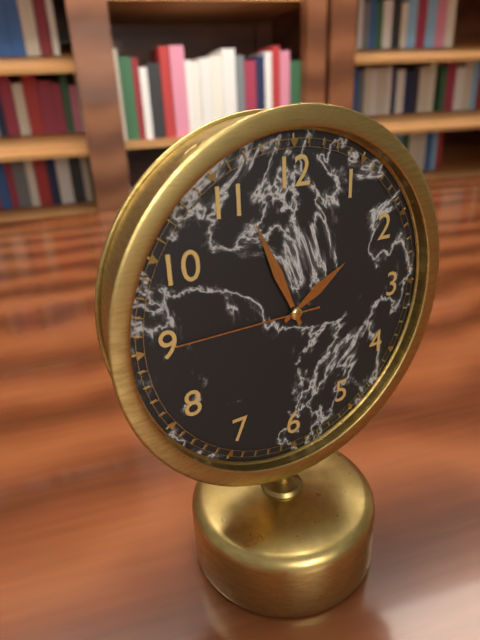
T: 1:56:45
